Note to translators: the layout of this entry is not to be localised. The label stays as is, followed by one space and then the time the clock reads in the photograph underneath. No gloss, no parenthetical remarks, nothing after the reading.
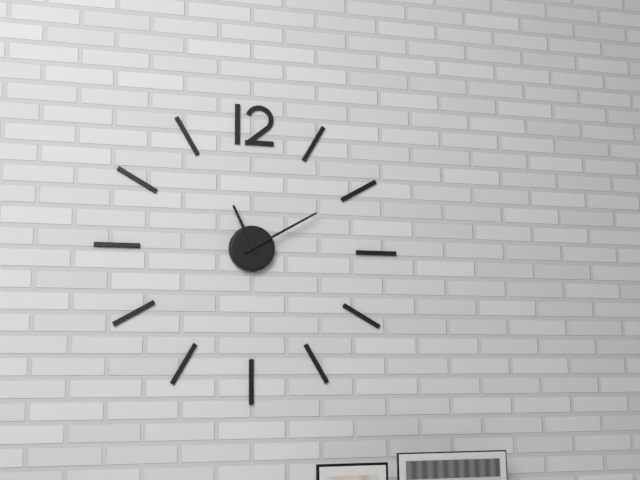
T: 11:10
